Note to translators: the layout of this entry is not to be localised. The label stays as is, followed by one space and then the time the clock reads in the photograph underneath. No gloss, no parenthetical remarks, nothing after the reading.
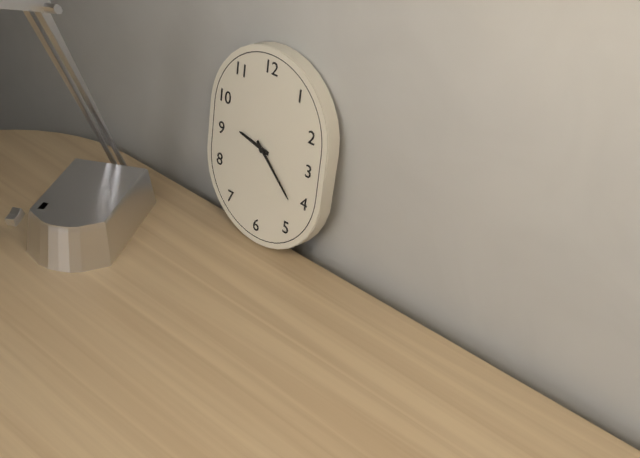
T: 9:22
